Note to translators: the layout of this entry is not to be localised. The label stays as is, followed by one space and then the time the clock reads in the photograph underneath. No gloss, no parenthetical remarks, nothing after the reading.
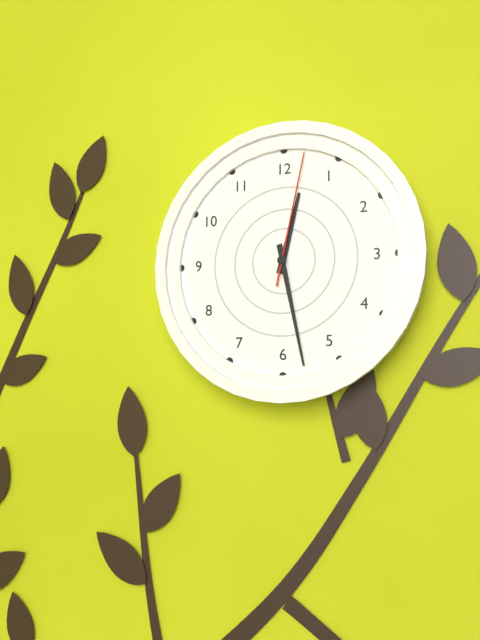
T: 12:28:02
